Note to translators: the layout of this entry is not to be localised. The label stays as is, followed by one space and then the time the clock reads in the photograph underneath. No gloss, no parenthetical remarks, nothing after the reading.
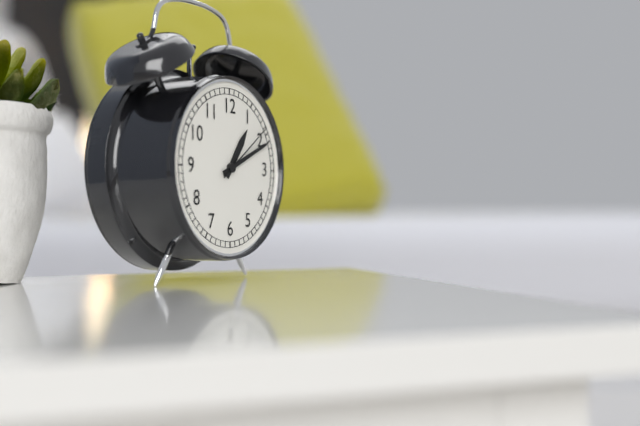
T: 1:11:09
